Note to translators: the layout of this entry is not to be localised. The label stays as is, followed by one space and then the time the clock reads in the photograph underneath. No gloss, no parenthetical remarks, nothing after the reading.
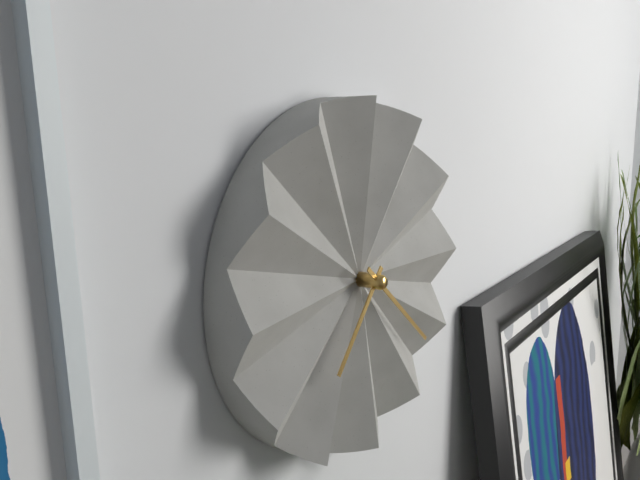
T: 7:22
